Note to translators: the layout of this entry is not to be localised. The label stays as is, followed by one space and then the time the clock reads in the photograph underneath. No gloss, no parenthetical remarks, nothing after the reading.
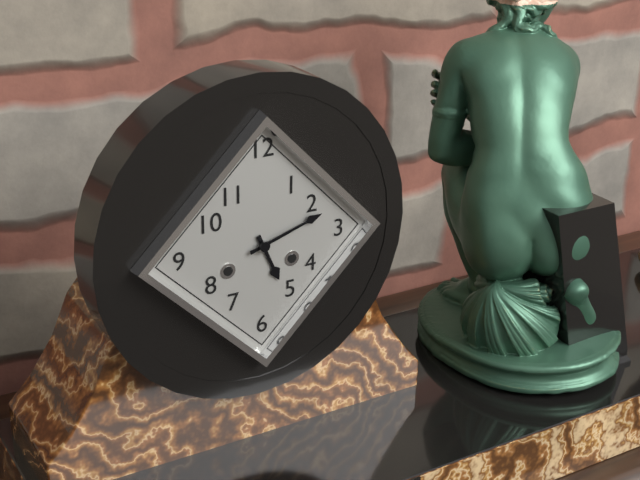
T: 5:12
